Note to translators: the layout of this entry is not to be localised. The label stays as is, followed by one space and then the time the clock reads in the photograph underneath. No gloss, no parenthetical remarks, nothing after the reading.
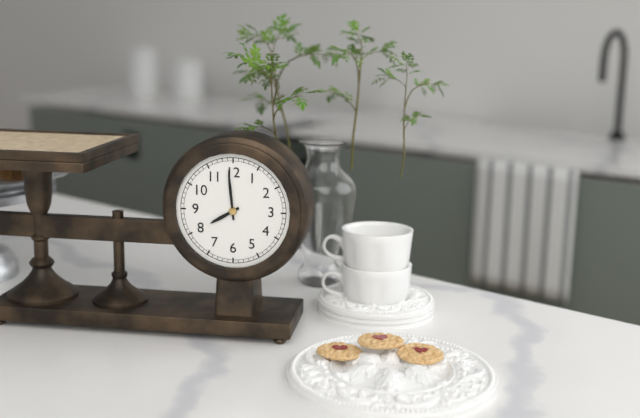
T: 7:59
